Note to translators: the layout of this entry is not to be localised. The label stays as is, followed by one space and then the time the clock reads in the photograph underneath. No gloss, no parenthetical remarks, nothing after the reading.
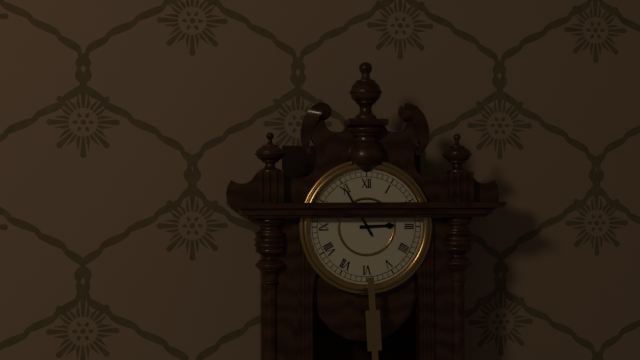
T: 2:55
